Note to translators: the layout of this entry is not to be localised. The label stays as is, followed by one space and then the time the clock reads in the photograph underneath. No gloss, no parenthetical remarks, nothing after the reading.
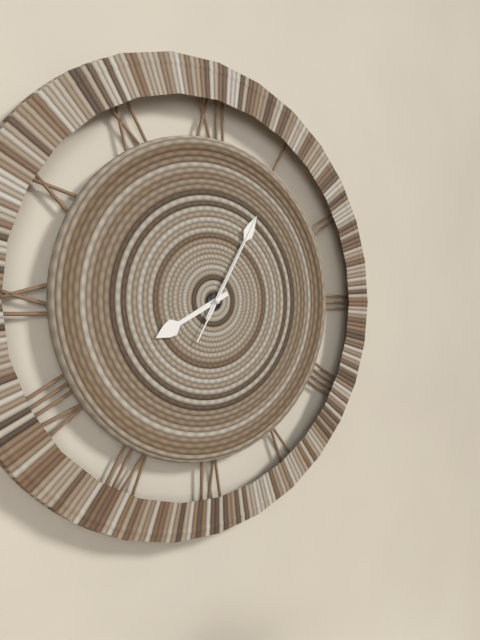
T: 8:05:05
